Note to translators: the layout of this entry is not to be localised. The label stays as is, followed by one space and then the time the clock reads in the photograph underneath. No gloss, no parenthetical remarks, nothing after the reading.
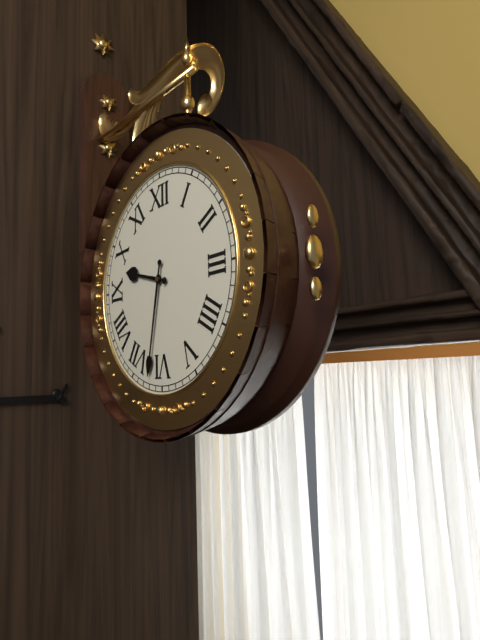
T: 9:32
